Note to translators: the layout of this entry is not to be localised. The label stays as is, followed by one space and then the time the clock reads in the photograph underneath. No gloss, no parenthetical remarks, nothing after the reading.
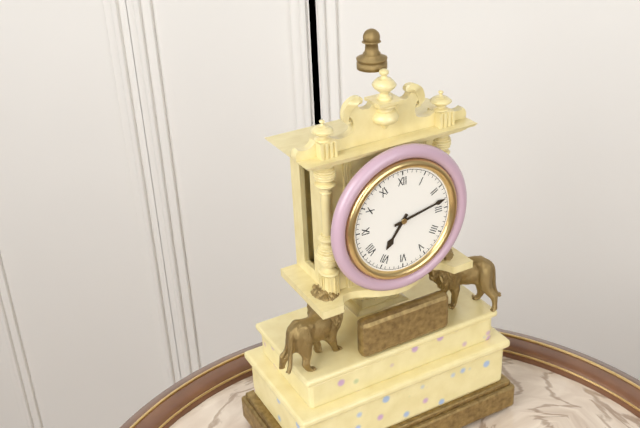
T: 7:13
